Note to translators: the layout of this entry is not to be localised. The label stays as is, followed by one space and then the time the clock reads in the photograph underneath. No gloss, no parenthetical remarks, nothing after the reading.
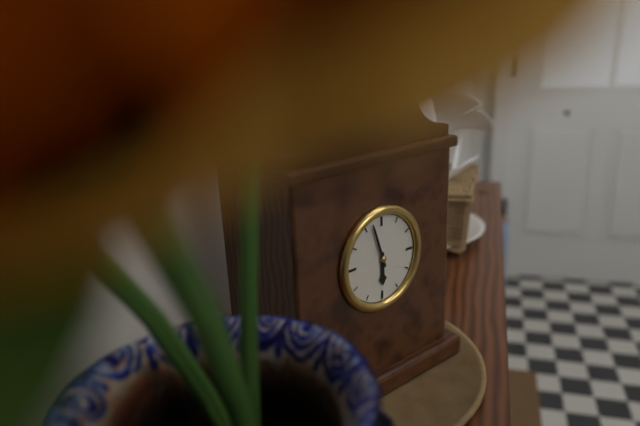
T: 5:57
